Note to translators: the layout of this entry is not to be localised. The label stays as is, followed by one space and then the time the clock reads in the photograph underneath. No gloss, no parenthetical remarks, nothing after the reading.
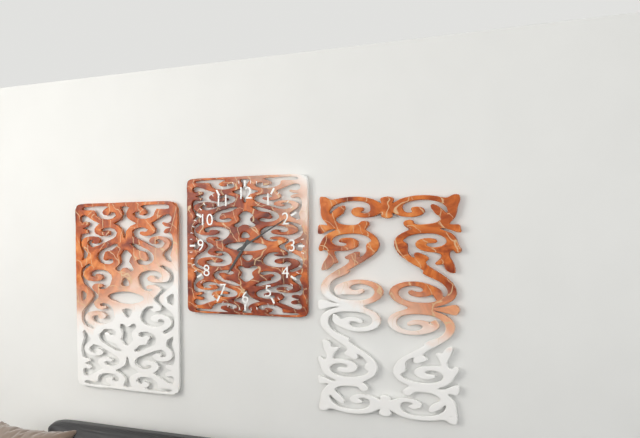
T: 7:10
